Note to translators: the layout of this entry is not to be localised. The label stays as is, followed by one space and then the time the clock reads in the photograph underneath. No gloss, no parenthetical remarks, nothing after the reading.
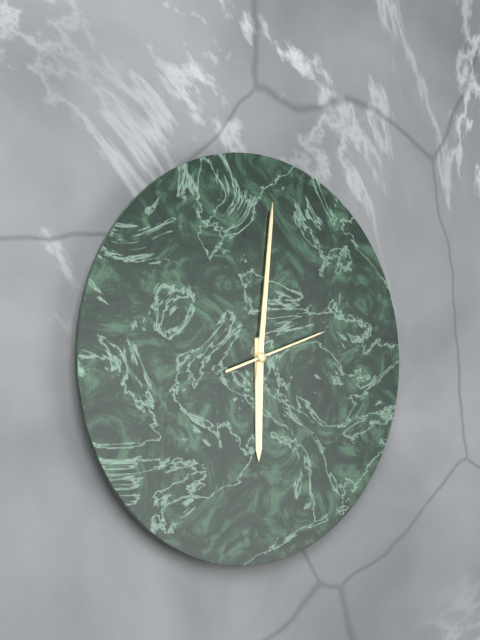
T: 6:01:12
